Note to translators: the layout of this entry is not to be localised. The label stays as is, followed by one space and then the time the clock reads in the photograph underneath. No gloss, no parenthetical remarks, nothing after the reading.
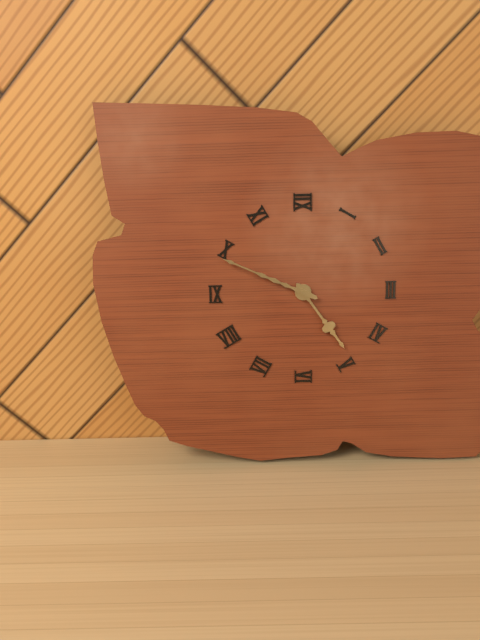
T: 4:49
